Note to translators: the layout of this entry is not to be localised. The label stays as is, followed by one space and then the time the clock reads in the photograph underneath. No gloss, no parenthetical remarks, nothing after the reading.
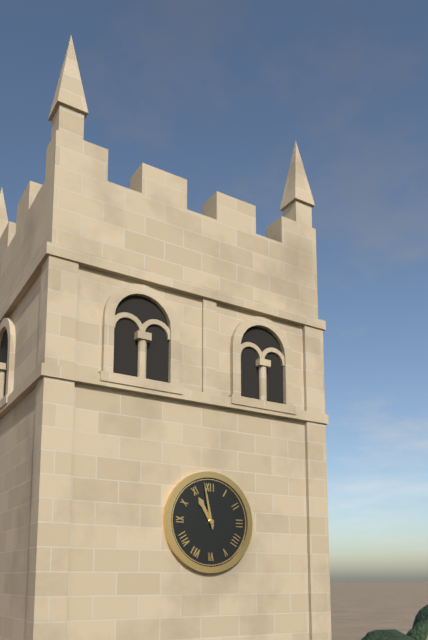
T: 10:58
